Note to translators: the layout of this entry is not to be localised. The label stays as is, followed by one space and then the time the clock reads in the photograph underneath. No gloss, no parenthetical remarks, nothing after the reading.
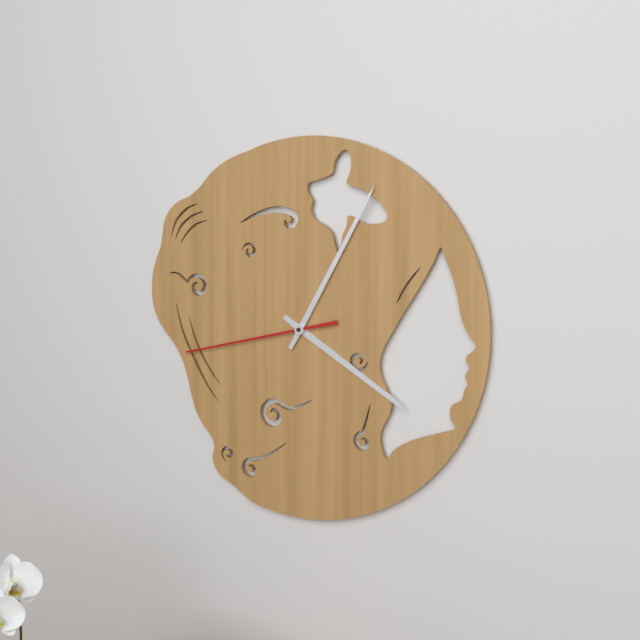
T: 4:05:43
